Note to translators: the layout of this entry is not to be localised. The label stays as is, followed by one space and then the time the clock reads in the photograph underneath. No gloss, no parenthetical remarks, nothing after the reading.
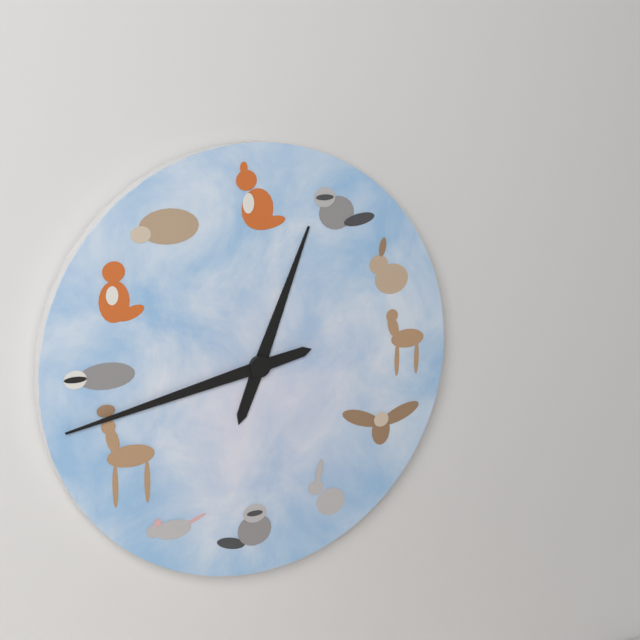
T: 12:43
